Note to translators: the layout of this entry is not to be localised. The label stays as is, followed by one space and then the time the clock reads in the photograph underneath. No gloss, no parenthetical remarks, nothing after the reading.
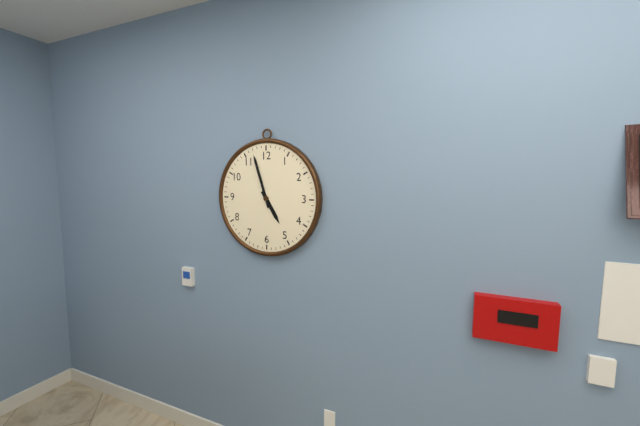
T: 4:57
